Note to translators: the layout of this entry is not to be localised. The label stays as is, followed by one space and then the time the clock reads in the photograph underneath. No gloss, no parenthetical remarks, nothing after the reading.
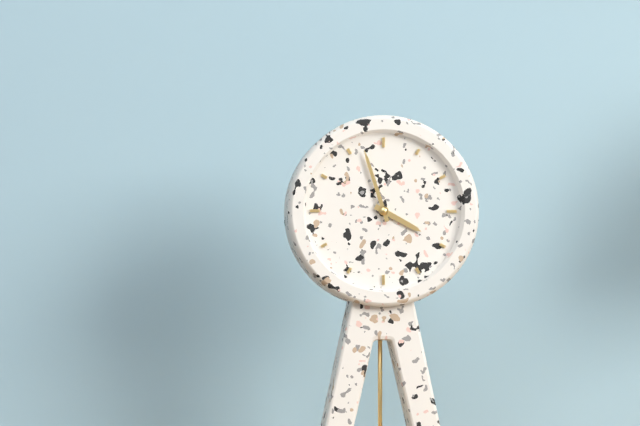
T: 3:57
